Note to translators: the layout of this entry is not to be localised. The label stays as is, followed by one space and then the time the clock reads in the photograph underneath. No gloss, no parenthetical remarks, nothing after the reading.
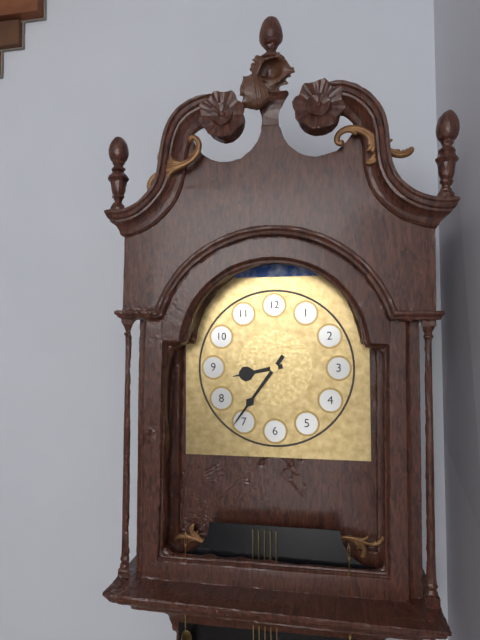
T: 8:36
